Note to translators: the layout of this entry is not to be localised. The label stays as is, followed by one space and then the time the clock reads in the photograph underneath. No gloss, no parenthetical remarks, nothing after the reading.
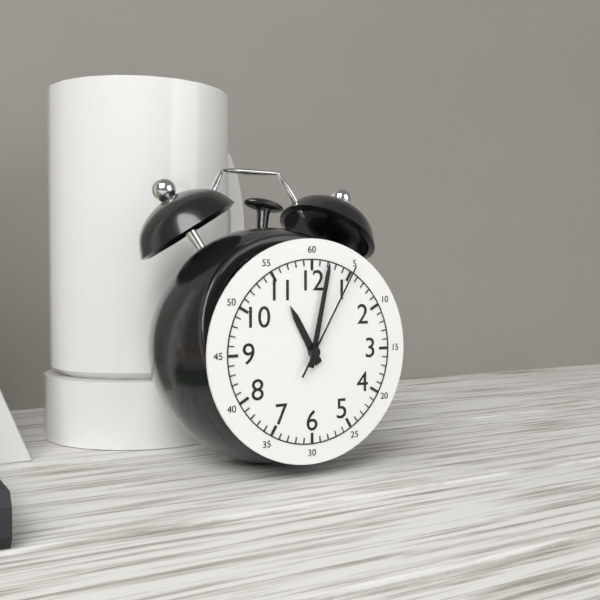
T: 11:02:05
